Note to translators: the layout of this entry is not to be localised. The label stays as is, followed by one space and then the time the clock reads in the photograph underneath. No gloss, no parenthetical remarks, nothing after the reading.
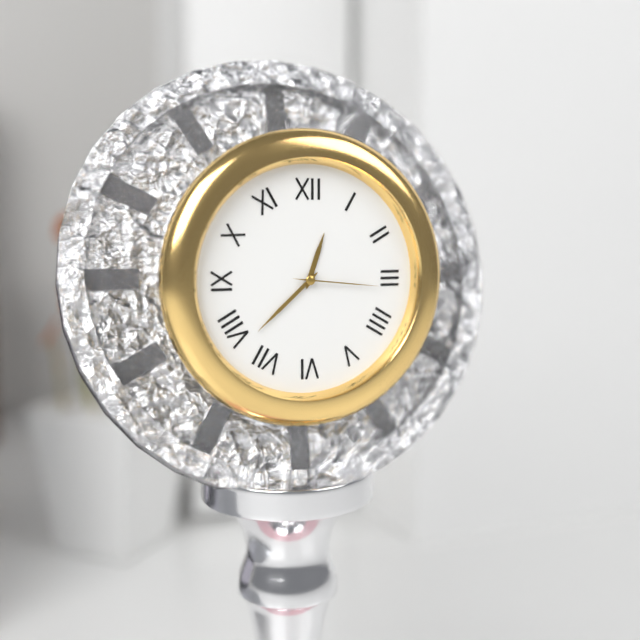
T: 12:38:16
